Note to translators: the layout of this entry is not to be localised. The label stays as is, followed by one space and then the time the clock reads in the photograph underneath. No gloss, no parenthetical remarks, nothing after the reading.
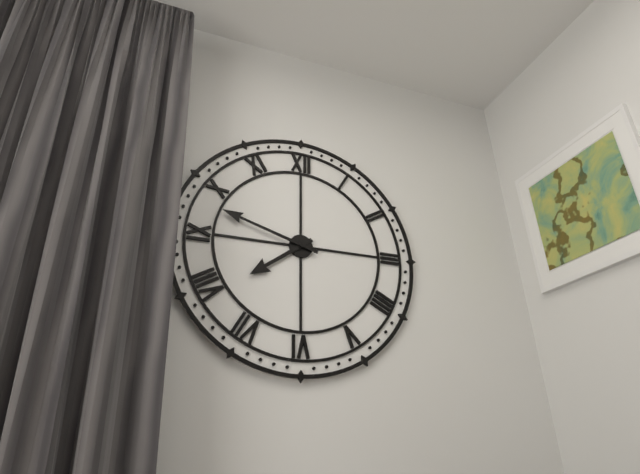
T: 7:48
